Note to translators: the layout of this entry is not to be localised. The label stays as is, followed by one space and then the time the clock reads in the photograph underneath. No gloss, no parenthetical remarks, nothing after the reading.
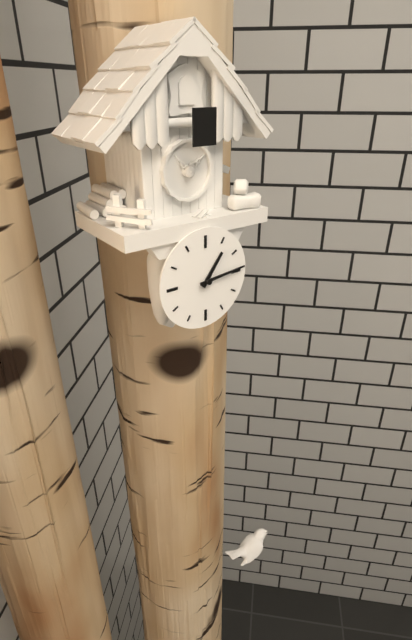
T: 1:14
